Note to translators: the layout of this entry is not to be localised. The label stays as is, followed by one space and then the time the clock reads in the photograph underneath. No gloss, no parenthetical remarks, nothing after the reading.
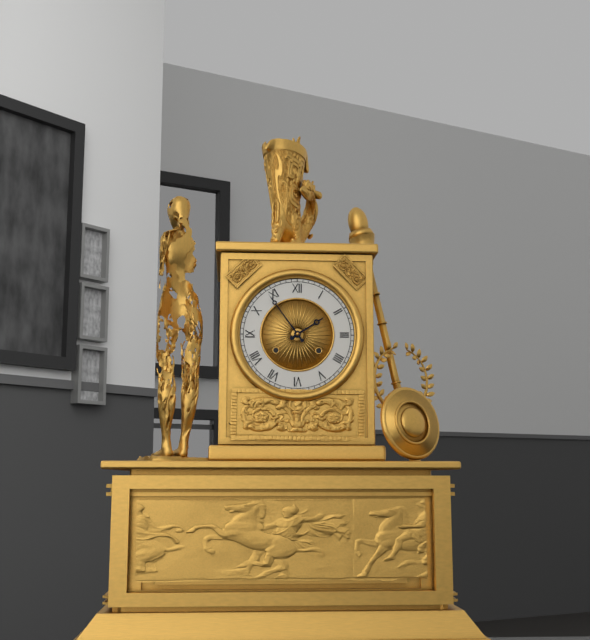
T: 1:54
